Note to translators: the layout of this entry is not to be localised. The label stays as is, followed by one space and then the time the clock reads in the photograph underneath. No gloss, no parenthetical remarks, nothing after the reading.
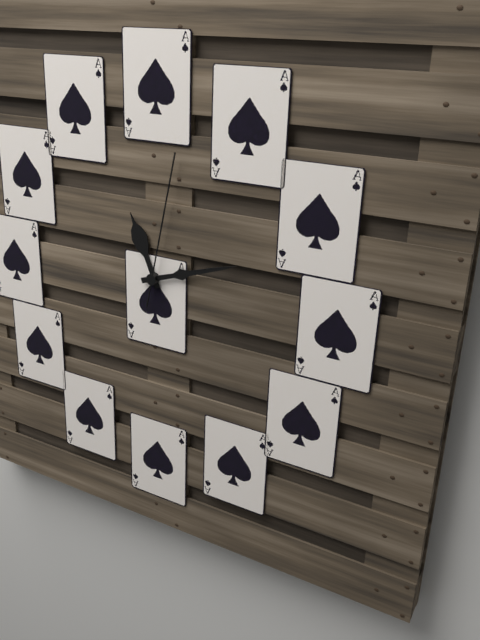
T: 11:12:02
